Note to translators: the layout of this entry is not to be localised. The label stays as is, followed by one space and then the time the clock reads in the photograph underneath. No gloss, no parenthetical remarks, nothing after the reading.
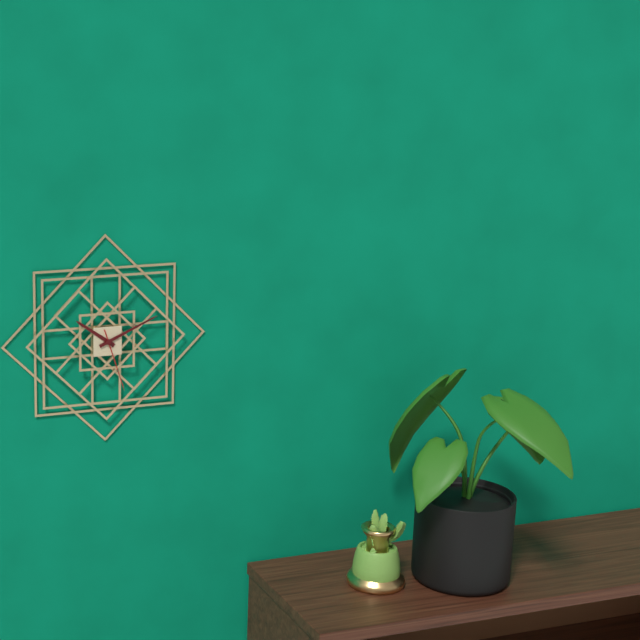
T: 10:11:27
